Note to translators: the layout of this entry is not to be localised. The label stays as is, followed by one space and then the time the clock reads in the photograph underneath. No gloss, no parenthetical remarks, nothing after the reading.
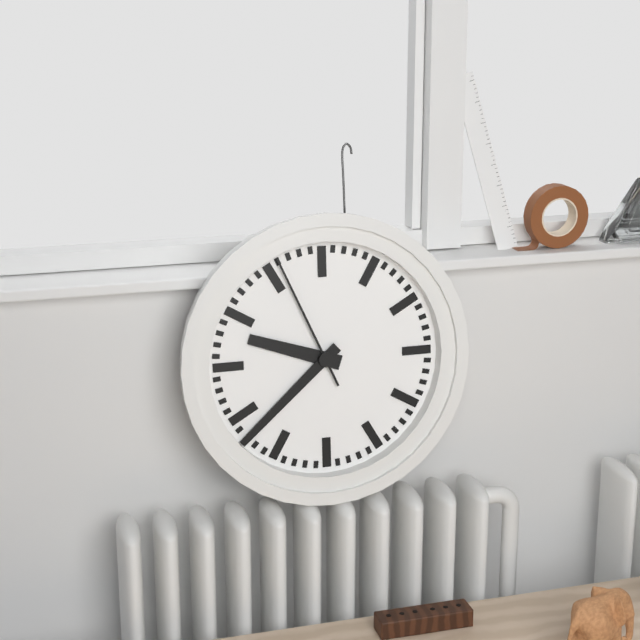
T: 9:38:56
